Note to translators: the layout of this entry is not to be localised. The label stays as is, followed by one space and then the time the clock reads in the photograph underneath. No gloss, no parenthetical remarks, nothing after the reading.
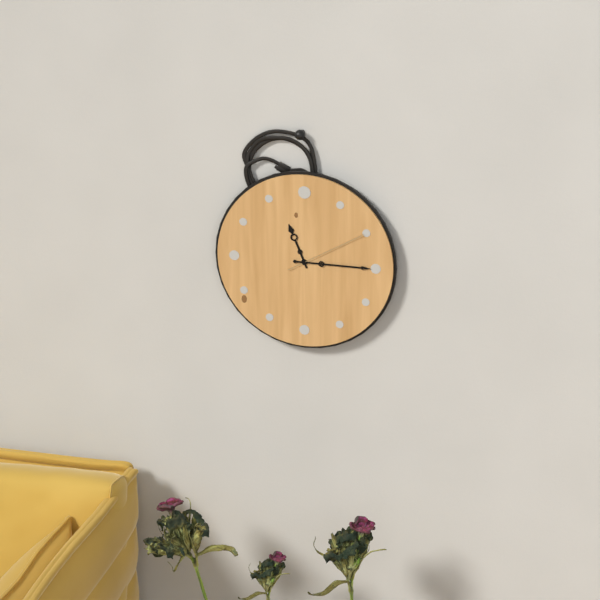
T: 11:15:10
